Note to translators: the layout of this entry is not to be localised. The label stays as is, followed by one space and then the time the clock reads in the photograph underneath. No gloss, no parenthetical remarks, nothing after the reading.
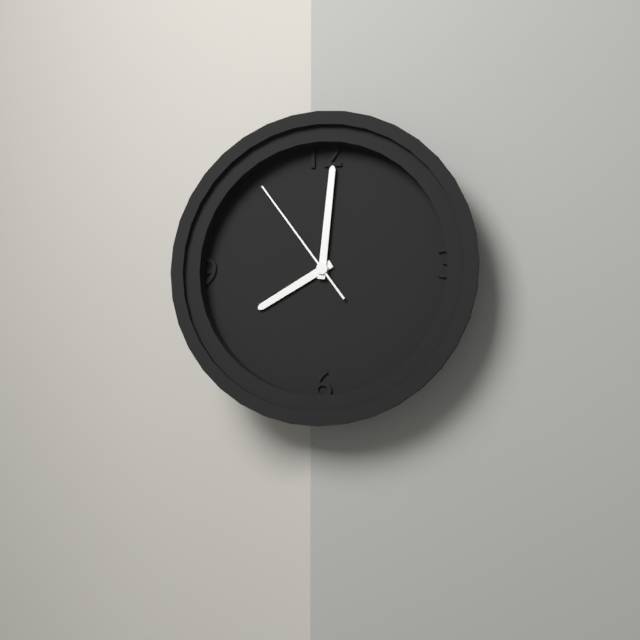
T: 8:01:54
